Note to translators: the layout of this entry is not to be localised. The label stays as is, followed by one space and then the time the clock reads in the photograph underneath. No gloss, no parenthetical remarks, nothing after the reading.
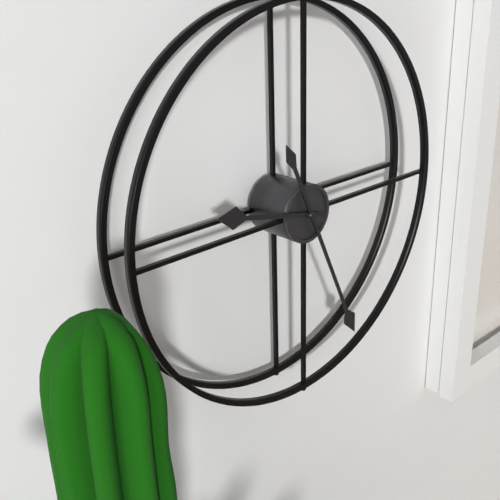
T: 9:26
